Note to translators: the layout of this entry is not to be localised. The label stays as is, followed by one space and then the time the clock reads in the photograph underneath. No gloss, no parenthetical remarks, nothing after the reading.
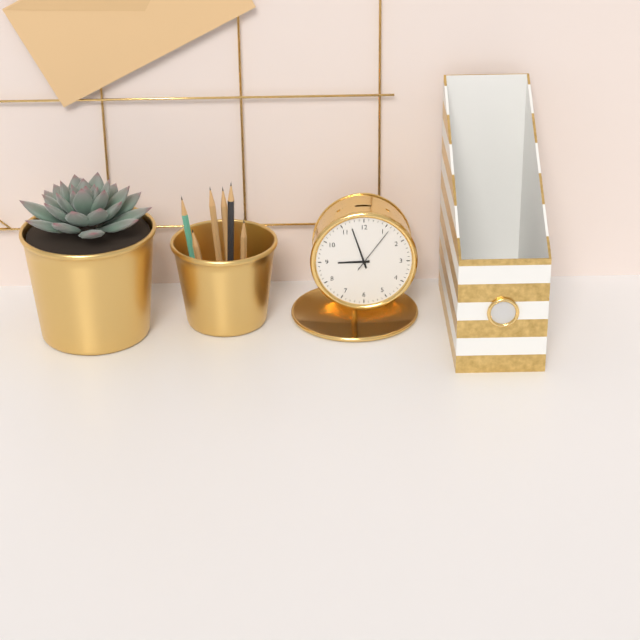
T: 8:57
